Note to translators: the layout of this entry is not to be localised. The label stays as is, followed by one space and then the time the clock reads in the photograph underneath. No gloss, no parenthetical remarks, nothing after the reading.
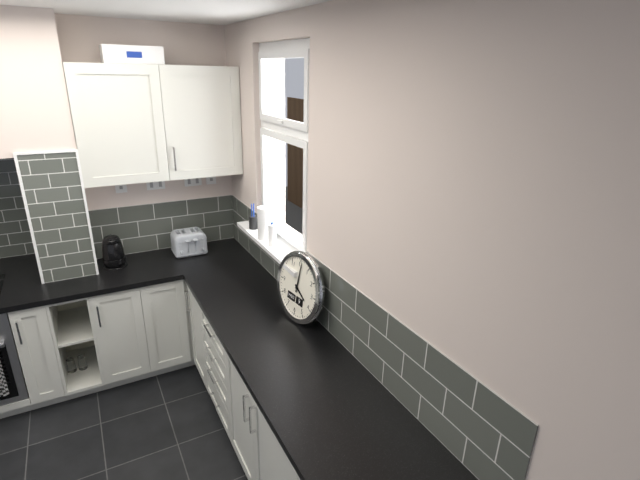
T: 4:01
